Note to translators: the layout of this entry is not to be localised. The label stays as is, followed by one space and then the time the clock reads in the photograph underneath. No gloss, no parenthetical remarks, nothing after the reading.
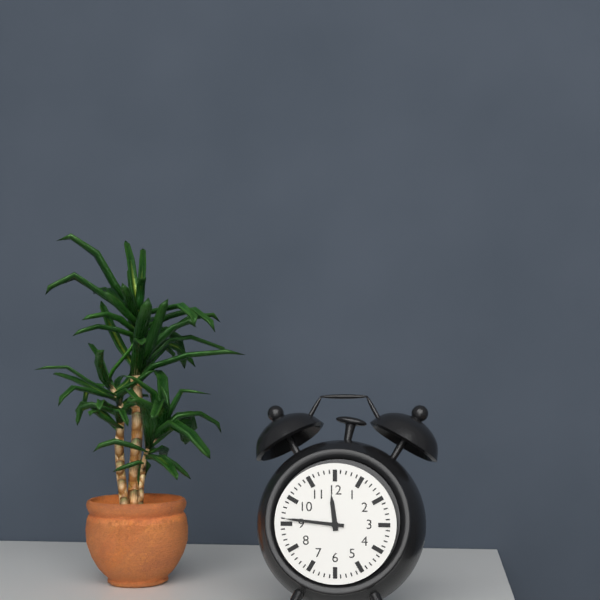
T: 11:46
